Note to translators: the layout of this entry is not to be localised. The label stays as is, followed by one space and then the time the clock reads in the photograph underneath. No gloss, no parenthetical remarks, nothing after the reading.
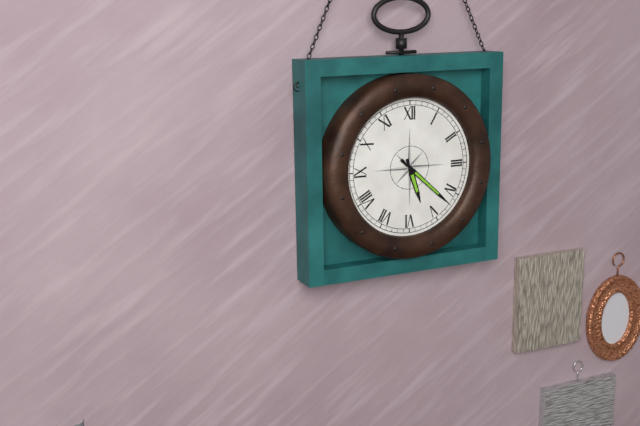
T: 5:22
